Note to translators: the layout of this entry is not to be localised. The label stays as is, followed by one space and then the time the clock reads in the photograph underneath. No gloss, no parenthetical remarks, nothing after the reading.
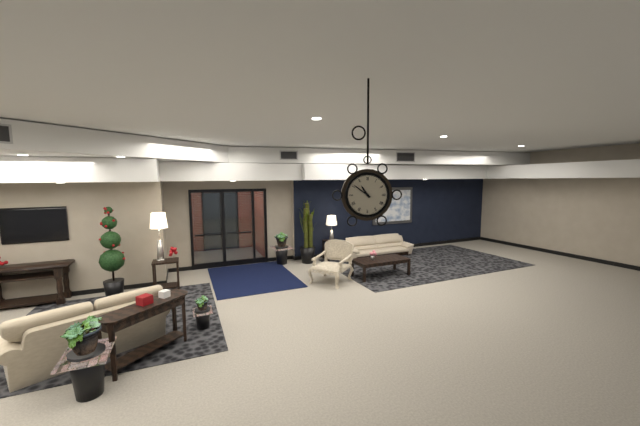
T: 10:51
